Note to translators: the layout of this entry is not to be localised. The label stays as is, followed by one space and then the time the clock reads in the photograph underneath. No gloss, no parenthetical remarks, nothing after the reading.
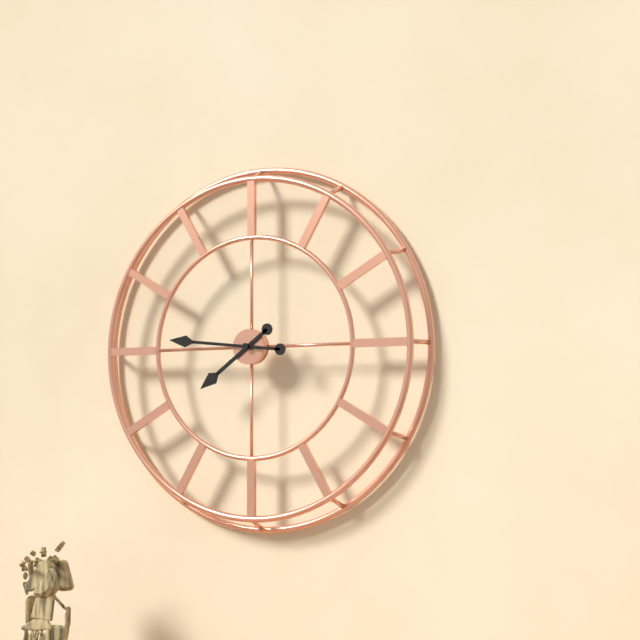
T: 7:46
